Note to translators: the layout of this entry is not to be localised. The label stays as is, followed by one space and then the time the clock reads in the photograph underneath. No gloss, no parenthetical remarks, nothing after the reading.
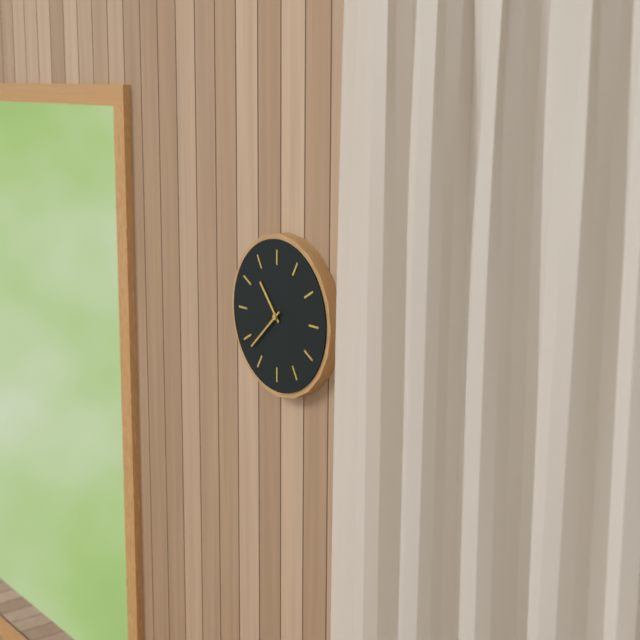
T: 10:38
